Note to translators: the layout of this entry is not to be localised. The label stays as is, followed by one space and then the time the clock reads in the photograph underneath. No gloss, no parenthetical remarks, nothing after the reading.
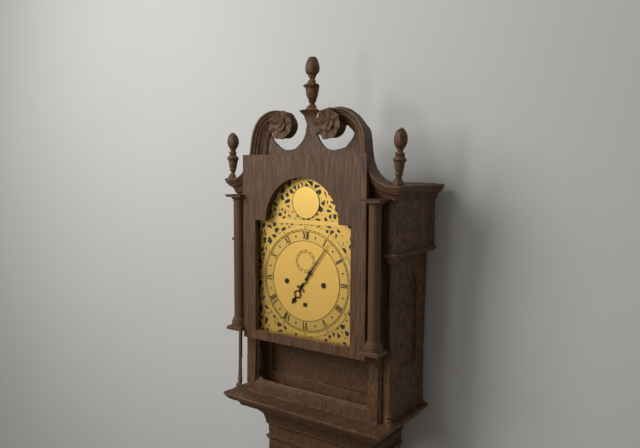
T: 7:06
